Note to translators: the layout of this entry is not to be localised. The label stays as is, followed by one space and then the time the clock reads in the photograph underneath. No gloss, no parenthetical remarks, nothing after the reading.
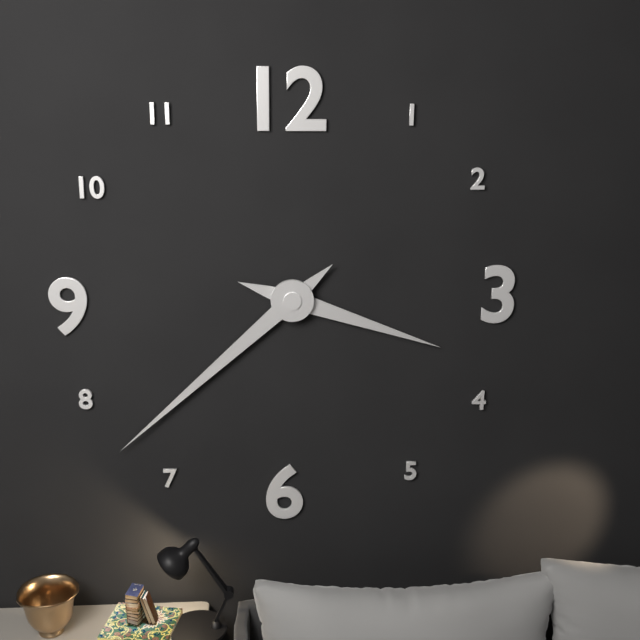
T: 3:38
